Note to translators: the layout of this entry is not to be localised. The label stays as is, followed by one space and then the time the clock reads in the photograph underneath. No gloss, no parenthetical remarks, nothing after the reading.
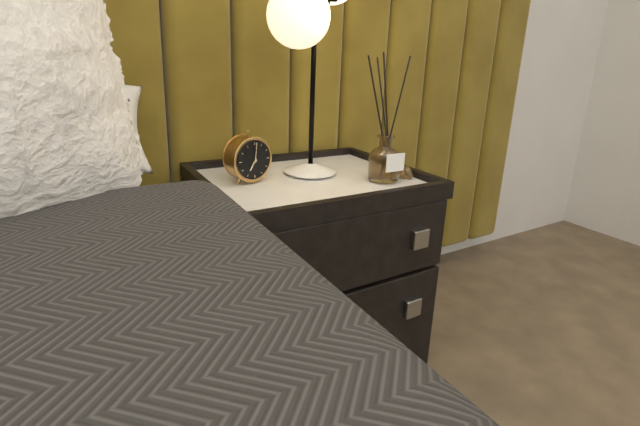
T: 7:01
